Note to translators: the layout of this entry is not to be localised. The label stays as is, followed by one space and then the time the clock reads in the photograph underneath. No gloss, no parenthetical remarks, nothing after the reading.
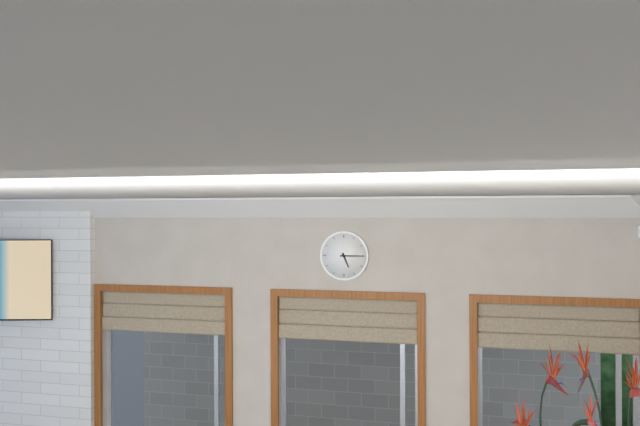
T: 5:15
